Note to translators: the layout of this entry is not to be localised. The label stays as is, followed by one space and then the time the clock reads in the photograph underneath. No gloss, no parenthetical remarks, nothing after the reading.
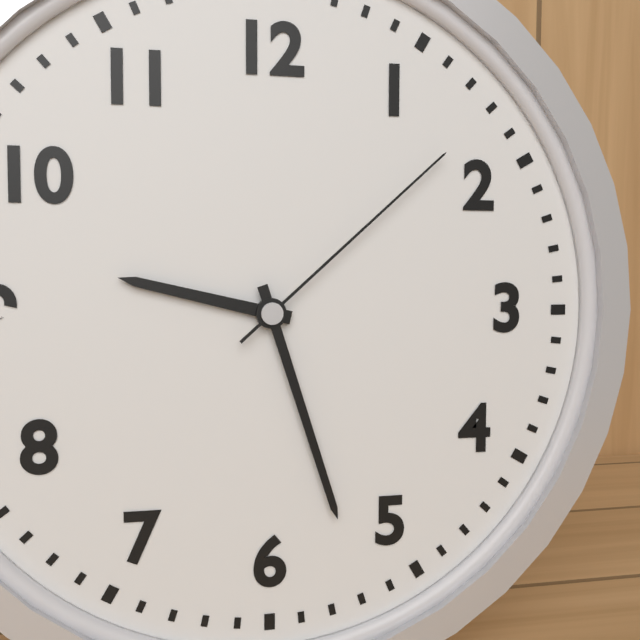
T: 9:27:08
